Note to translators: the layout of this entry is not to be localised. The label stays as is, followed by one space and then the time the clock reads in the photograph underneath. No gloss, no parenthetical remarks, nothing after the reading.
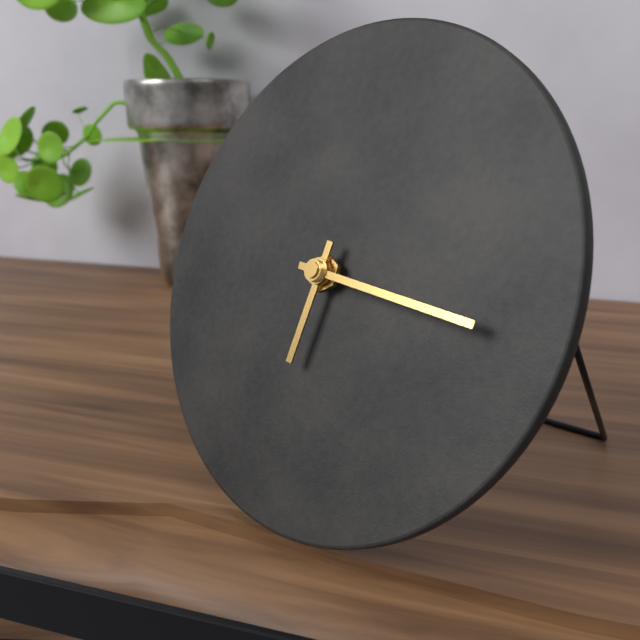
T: 6:16
